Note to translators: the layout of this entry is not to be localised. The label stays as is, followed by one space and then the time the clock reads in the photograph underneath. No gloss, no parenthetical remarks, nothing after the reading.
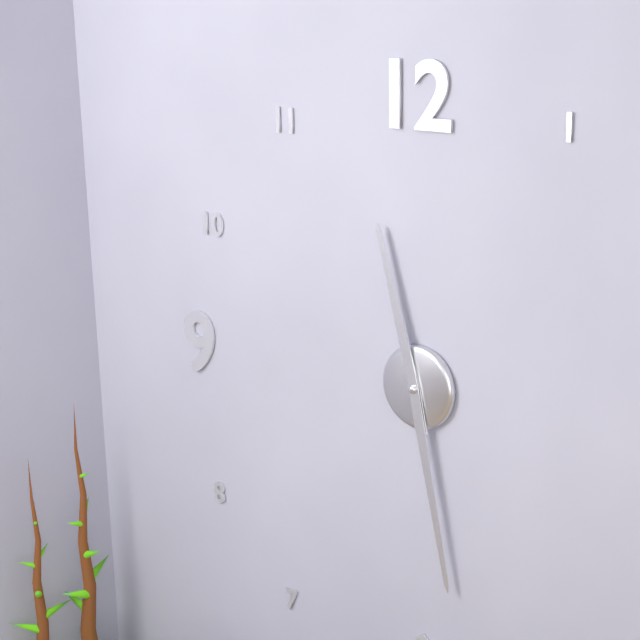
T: 11:28
